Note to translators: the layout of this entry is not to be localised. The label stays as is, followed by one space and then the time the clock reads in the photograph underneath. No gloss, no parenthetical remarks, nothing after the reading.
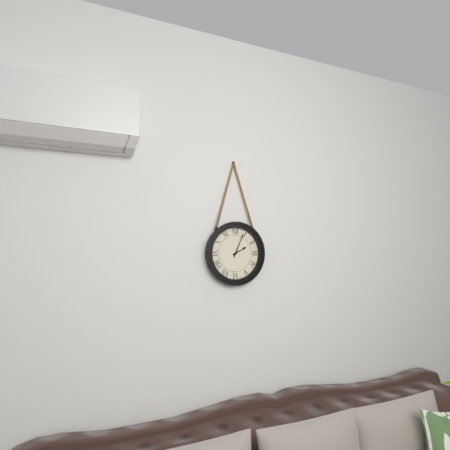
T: 2:04
